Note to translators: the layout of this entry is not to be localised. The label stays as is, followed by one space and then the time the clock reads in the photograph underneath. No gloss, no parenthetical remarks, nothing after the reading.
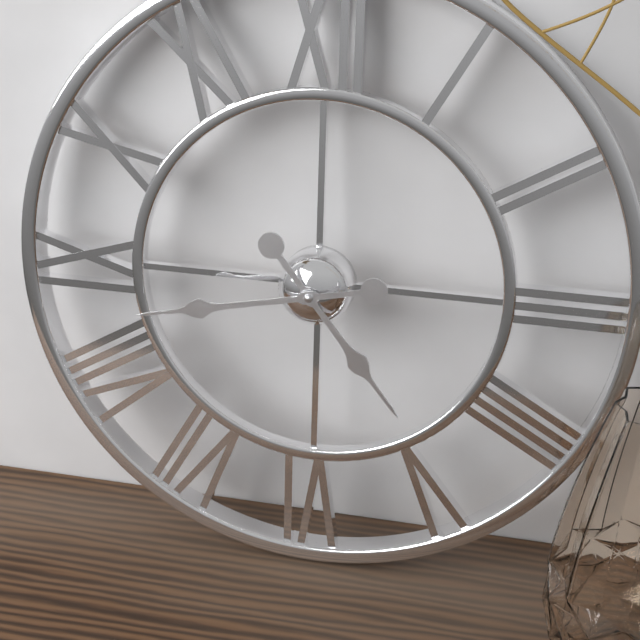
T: 4:43
